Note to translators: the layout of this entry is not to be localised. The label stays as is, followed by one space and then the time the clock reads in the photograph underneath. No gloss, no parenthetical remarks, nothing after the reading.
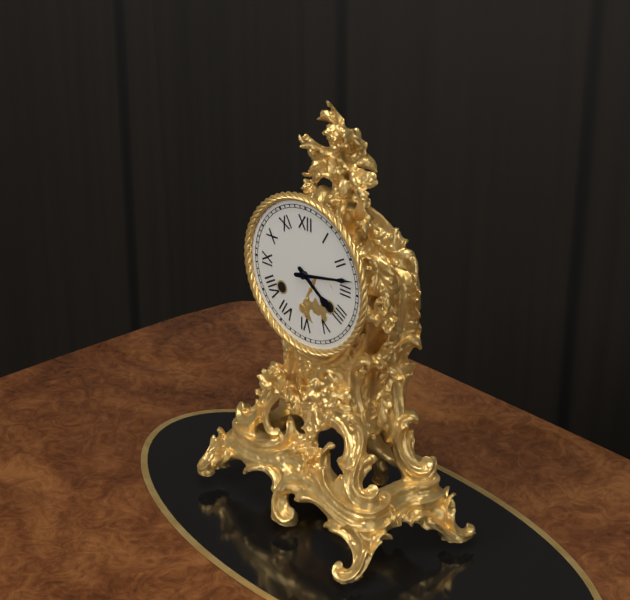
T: 4:13
